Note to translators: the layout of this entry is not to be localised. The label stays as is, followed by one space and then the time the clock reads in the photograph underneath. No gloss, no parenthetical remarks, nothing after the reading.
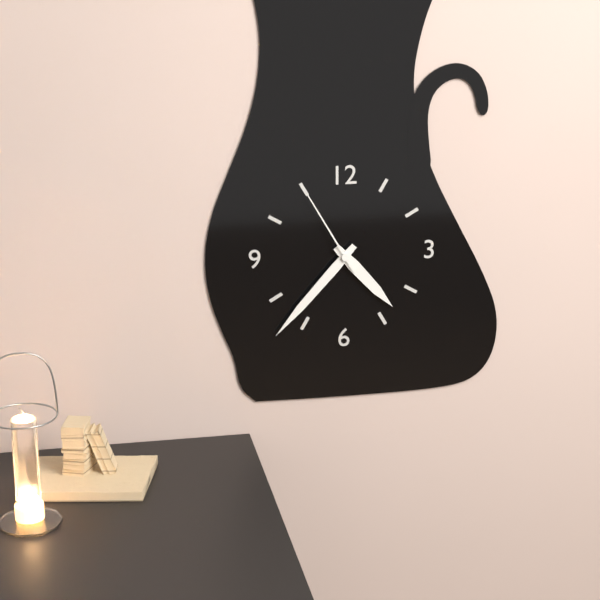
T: 4:37:55
